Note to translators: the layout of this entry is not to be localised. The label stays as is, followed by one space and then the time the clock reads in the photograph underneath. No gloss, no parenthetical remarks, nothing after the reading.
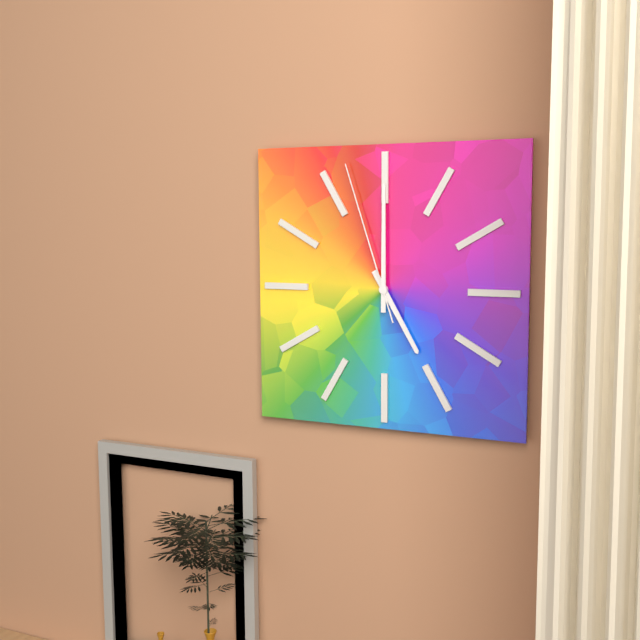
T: 5:00:57
